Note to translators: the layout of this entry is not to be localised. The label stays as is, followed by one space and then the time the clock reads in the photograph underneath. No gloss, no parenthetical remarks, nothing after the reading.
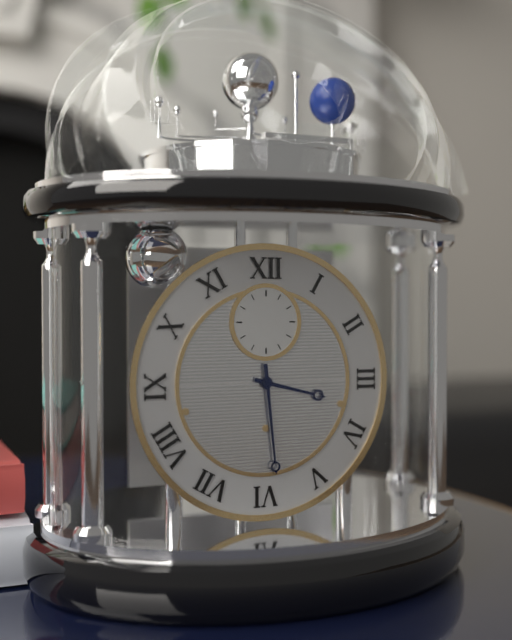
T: 3:29
